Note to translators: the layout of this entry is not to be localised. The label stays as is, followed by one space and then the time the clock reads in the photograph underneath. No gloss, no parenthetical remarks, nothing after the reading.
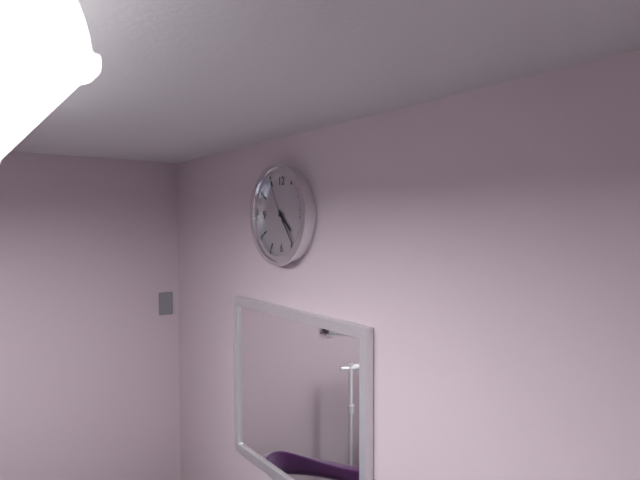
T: 4:24
